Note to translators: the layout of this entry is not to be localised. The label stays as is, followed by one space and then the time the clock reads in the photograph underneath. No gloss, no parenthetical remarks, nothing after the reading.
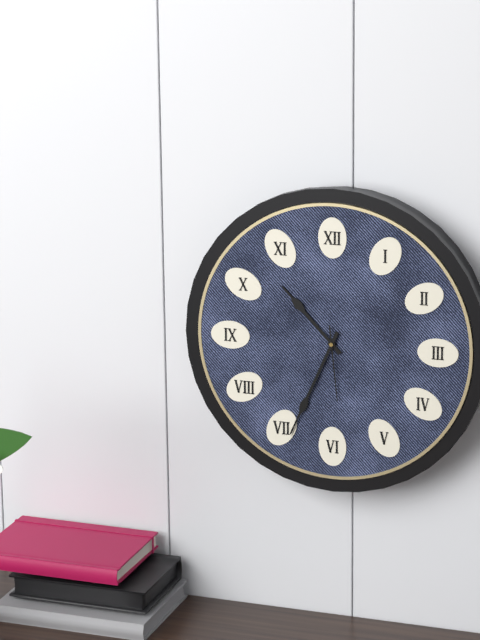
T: 10:34:29
